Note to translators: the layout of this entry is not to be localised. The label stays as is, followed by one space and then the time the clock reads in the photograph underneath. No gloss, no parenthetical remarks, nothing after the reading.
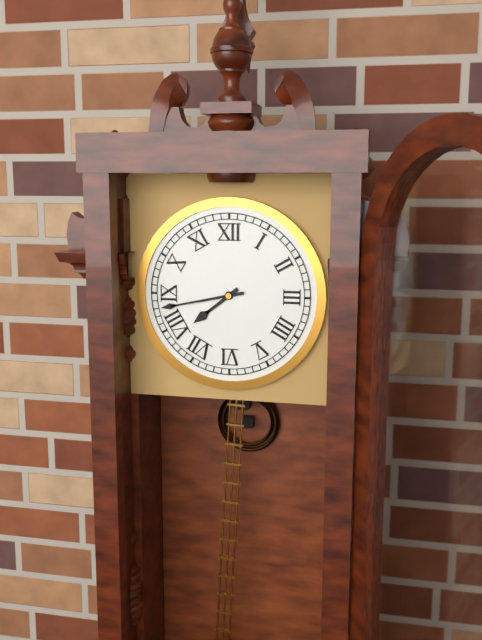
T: 7:43
